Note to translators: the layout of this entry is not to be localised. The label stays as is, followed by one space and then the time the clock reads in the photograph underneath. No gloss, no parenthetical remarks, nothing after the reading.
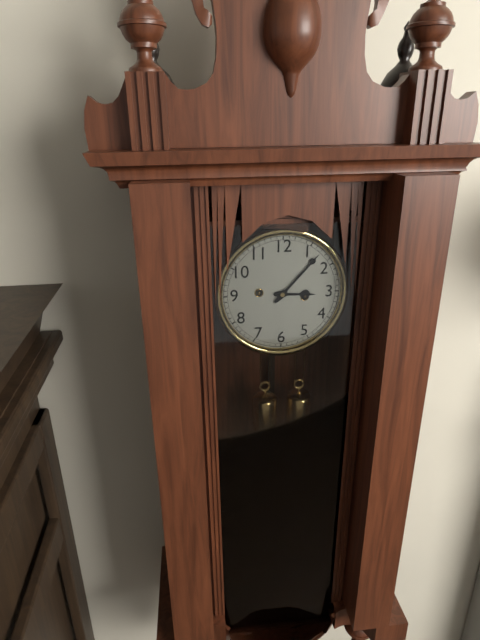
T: 3:07
